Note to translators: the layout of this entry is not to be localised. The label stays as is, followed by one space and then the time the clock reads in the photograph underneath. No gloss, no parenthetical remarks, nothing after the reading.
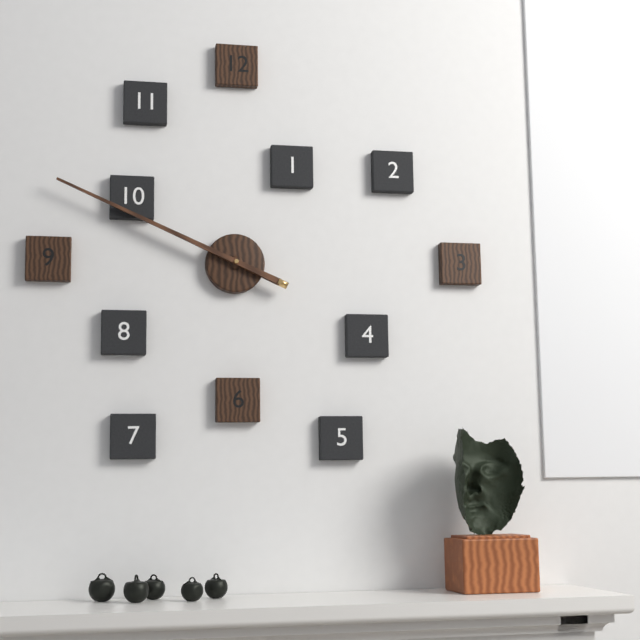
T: 9:49
